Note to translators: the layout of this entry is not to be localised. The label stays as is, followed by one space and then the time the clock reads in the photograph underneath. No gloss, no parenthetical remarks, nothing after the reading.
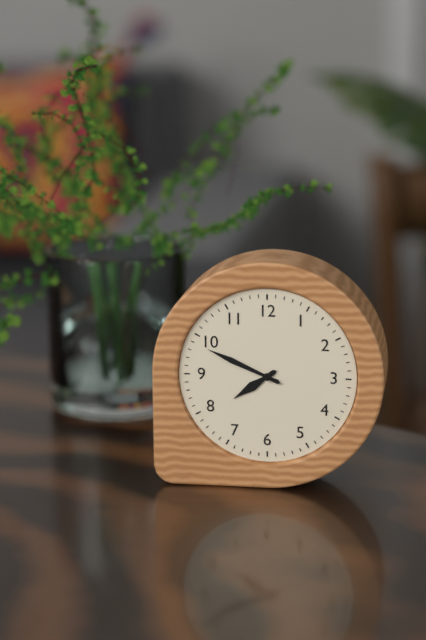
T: 7:49
